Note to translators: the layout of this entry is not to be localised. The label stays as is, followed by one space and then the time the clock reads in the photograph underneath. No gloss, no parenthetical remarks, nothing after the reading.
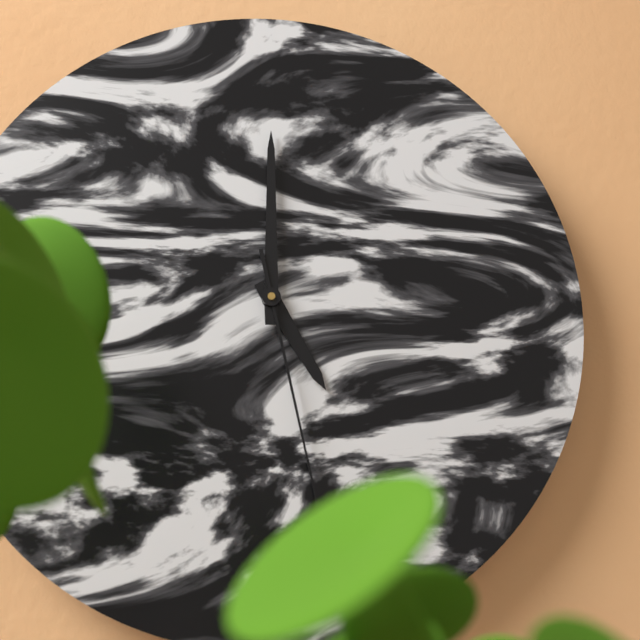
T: 5:00:28
